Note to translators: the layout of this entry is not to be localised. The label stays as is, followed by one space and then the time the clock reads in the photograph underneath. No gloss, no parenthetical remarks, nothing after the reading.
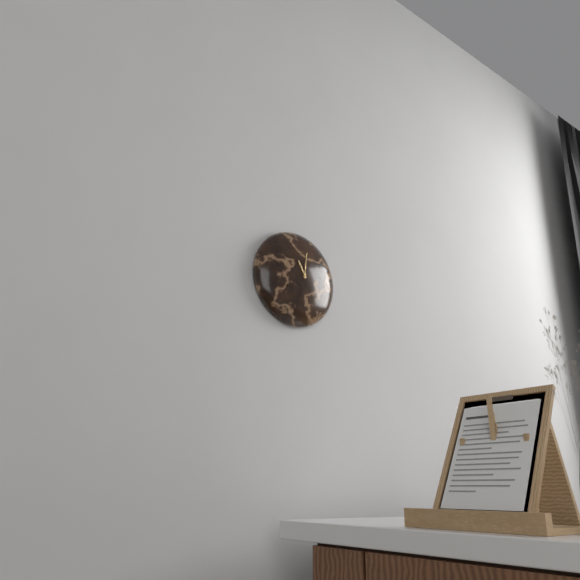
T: 11:01
